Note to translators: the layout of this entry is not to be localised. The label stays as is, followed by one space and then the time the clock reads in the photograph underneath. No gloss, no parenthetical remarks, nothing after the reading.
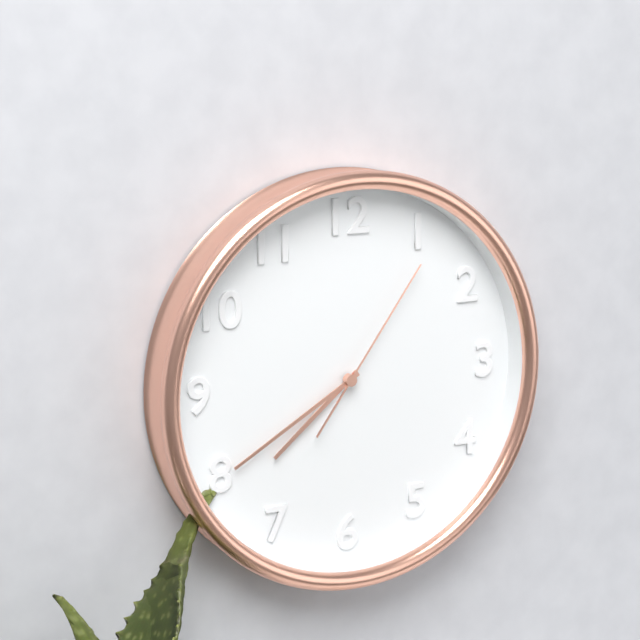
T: 7:40:06
